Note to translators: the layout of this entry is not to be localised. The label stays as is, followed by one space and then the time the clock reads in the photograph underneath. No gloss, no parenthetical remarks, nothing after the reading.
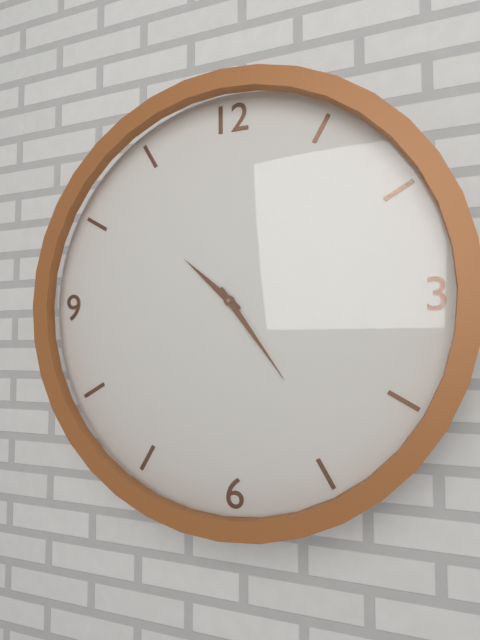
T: 10:24
